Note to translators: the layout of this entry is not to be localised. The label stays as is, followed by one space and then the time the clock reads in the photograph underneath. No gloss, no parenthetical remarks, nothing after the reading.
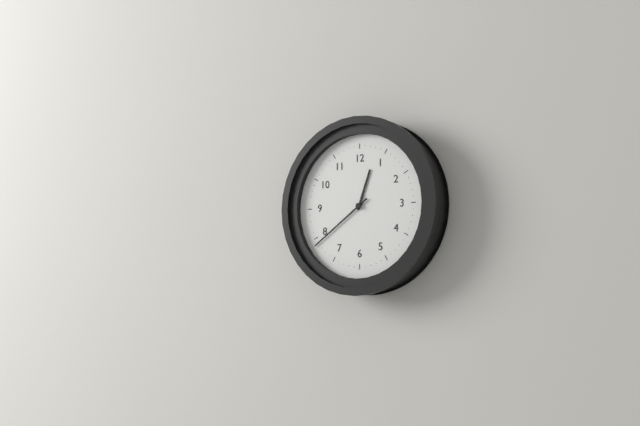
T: 12:39
